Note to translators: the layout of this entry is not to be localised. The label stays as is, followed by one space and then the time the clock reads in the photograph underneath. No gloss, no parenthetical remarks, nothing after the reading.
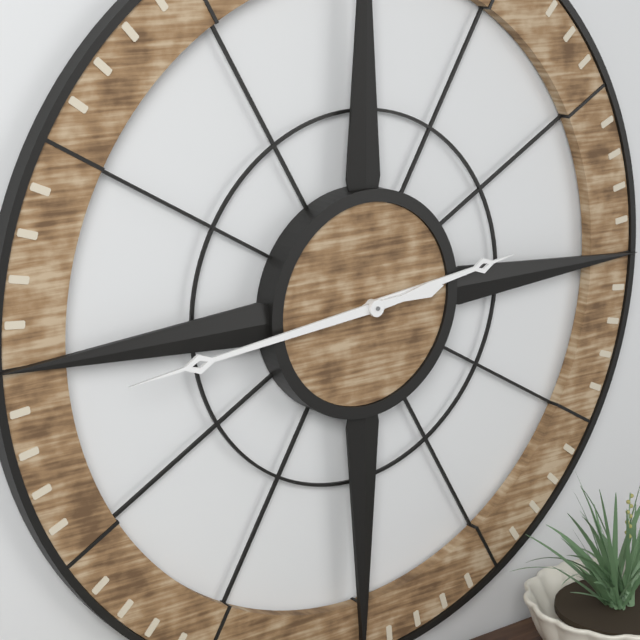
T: 2:44
